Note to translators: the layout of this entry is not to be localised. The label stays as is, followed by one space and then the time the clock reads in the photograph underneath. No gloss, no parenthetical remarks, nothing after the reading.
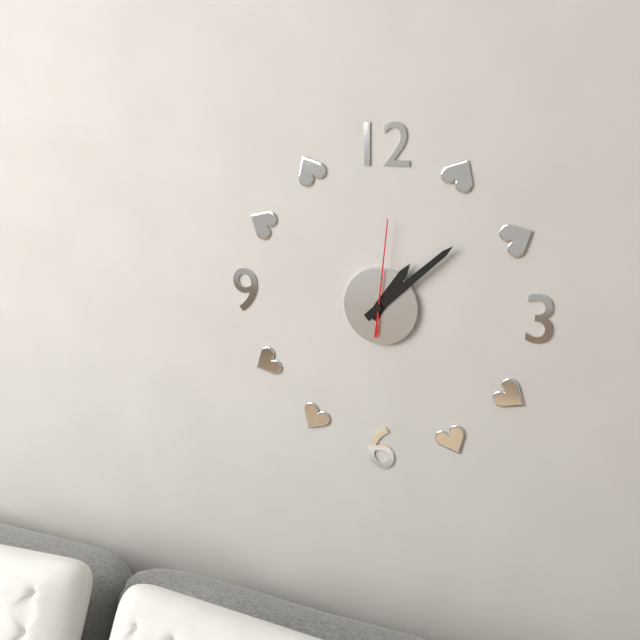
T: 1:08:01
